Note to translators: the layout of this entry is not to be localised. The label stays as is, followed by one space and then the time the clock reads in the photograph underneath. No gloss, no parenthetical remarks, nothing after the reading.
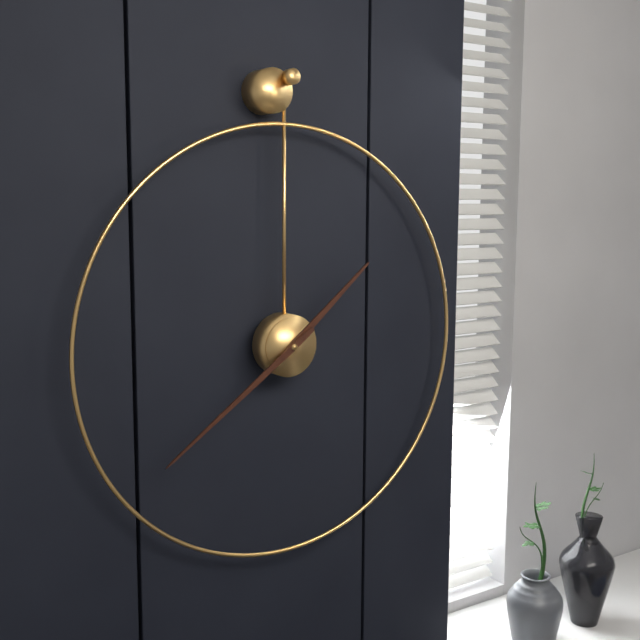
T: 1:39
